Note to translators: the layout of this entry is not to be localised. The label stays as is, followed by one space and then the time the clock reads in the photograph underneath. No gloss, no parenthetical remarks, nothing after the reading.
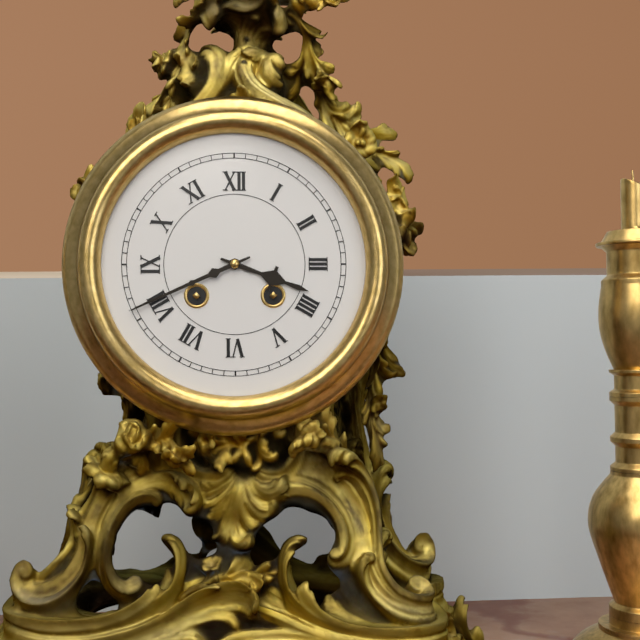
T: 3:41
